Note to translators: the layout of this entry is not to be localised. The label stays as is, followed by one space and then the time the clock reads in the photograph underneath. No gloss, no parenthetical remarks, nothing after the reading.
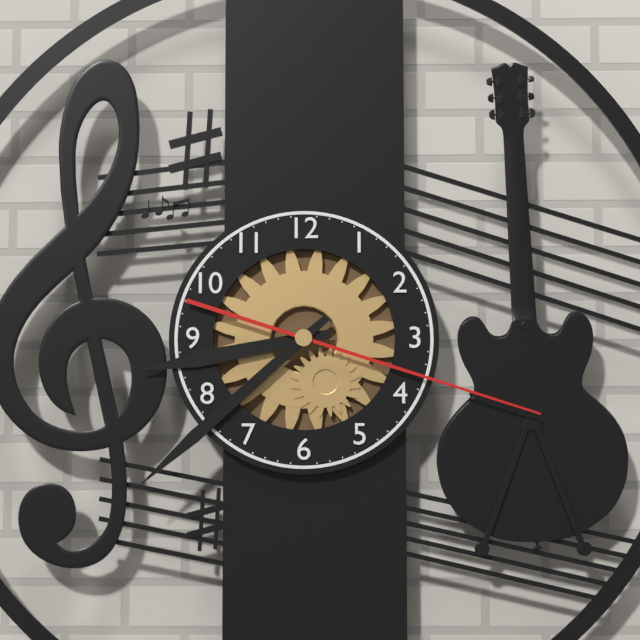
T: 8:38:18
